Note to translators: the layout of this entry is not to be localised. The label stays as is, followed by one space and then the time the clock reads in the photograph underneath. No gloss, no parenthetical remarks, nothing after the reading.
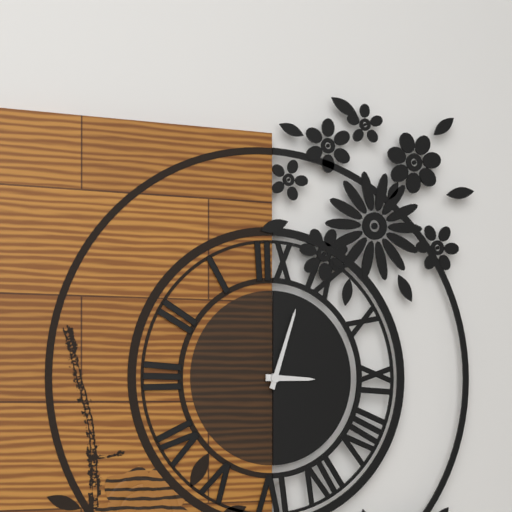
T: 3:03
